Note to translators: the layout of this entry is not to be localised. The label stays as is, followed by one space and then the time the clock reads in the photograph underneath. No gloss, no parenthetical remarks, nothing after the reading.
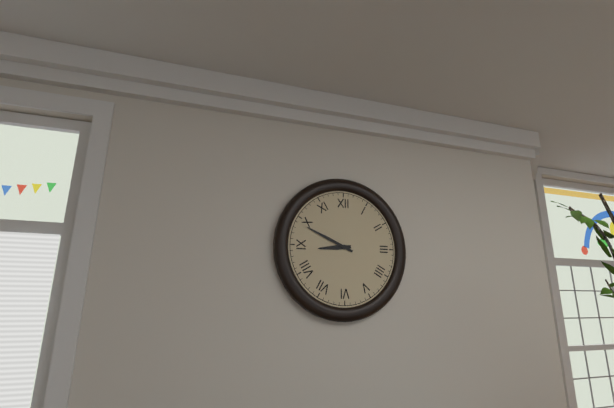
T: 8:49
